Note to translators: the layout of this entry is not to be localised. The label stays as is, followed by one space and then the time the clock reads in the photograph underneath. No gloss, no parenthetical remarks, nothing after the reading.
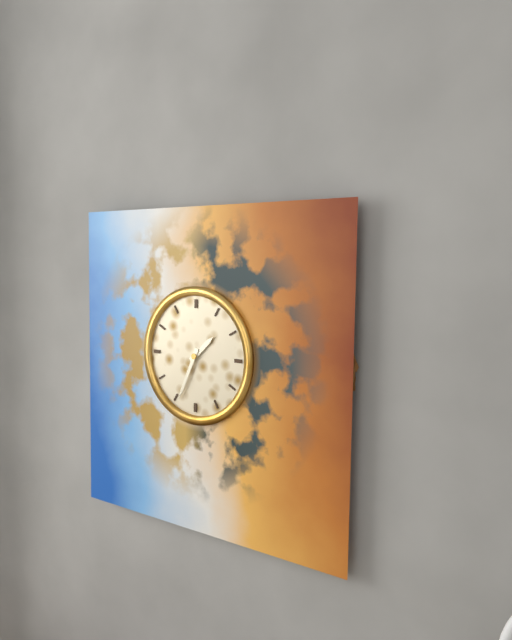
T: 1:34
